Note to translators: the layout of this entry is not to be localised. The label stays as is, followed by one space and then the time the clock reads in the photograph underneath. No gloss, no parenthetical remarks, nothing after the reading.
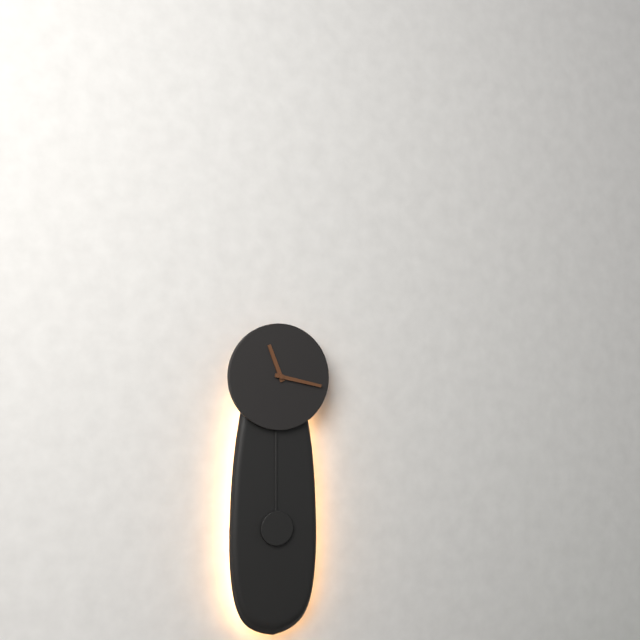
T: 11:17
